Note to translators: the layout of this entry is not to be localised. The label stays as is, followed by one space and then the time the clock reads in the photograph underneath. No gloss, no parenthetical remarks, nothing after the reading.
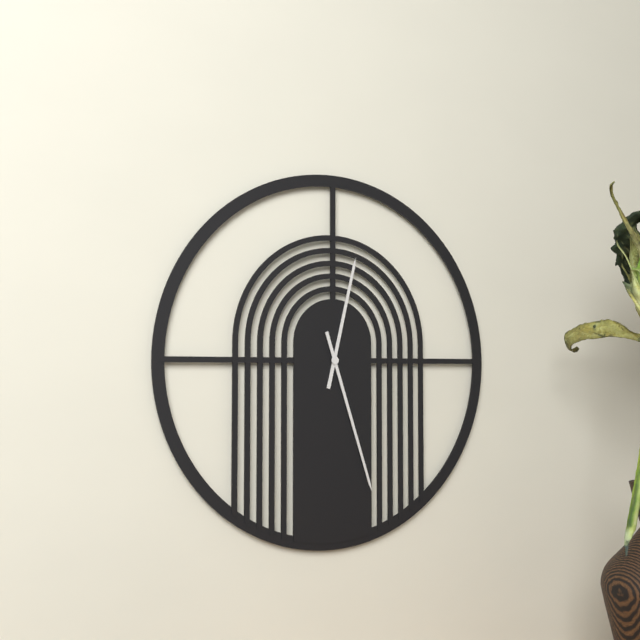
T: 12:27
